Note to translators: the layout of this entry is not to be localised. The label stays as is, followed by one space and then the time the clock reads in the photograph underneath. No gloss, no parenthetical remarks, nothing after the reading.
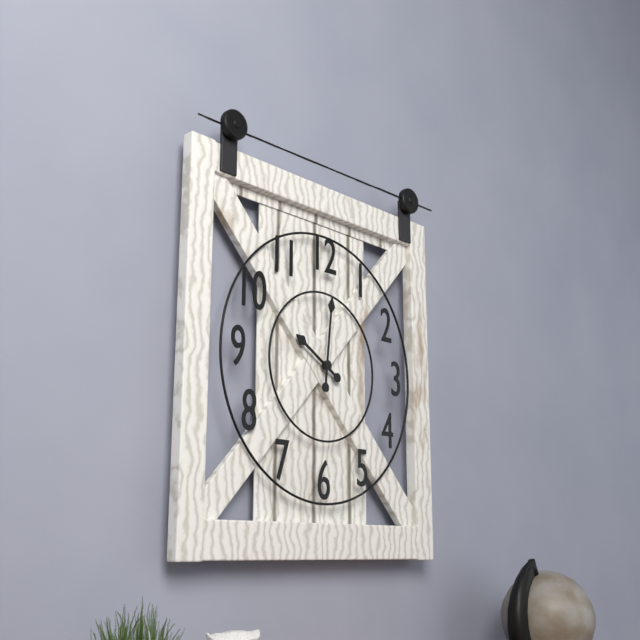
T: 10:01
